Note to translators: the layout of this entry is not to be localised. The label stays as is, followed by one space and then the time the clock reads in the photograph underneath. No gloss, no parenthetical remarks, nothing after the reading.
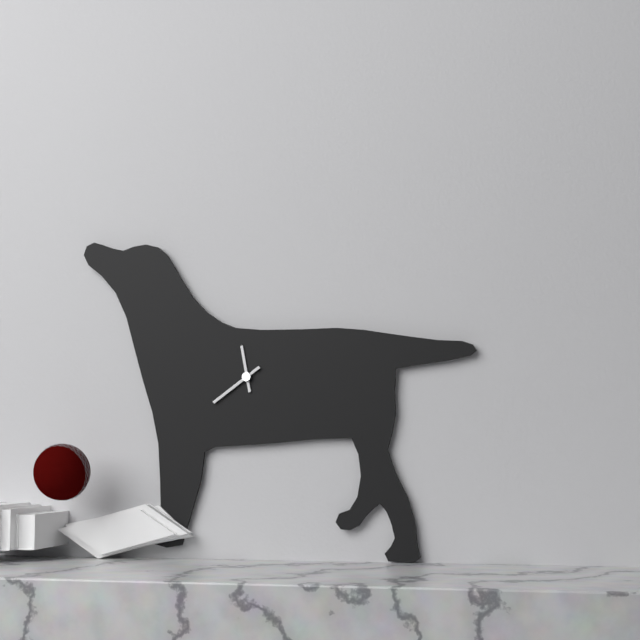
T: 11:39
